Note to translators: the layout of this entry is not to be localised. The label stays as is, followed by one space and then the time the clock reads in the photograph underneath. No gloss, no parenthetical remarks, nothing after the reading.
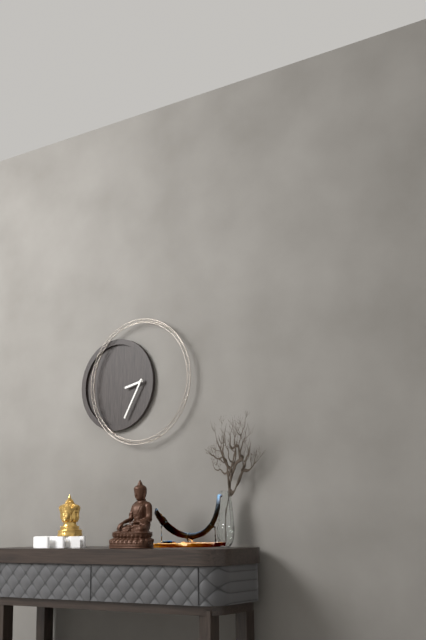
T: 8:35
